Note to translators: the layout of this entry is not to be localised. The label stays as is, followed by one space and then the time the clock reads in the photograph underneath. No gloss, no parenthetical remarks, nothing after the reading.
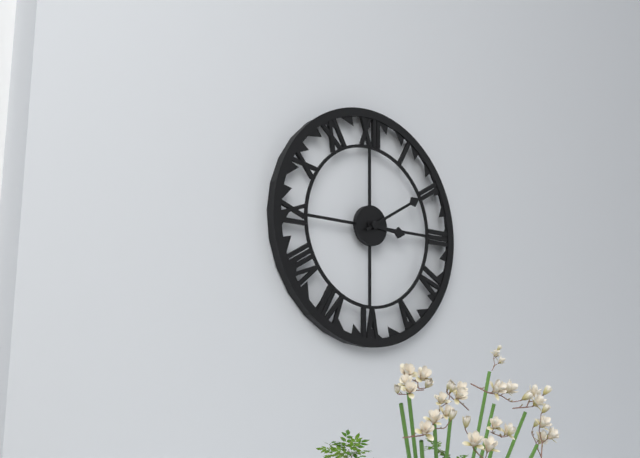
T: 3:10
